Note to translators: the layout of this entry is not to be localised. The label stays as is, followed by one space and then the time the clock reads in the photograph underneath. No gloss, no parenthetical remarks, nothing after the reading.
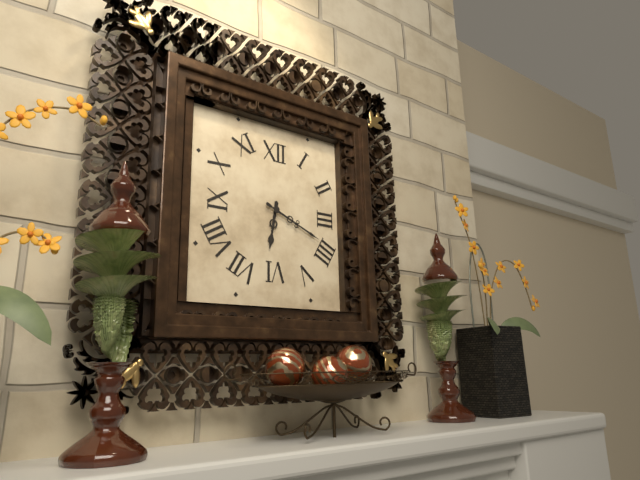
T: 6:19
